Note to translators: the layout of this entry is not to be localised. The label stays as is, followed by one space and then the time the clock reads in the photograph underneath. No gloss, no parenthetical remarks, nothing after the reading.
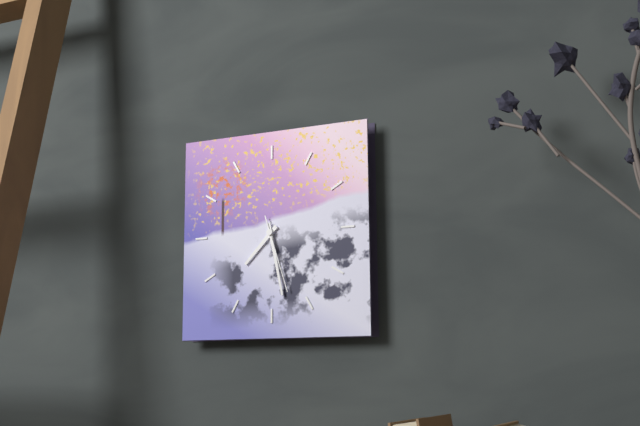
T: 7:28:27
